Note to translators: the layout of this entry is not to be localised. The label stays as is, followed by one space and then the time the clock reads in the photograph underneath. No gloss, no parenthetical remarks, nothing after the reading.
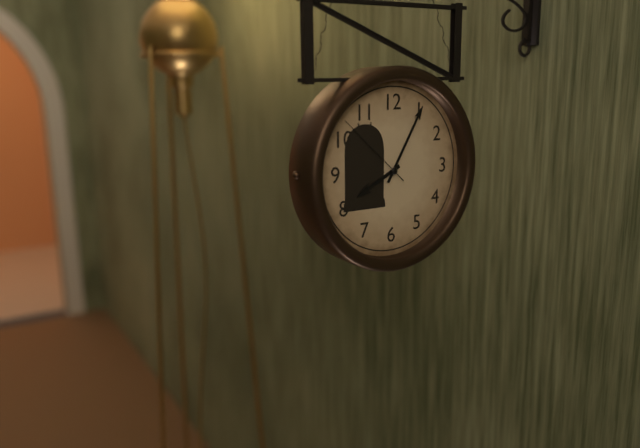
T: 8:05:52
